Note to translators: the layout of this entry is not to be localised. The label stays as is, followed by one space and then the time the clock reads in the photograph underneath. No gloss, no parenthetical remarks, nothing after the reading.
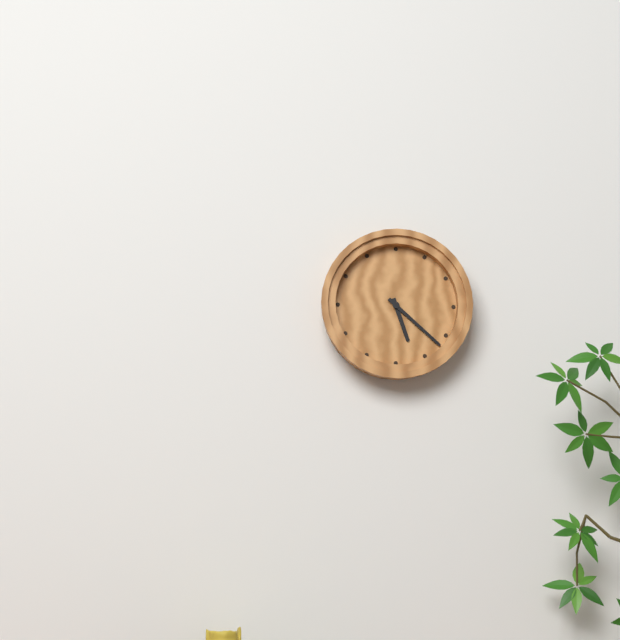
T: 5:22
